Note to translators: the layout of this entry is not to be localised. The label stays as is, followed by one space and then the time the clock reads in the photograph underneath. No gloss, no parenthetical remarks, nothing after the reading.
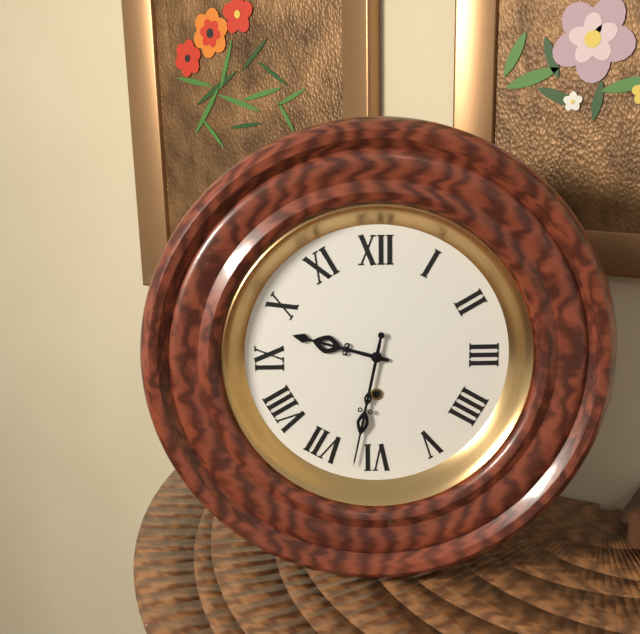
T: 9:32
